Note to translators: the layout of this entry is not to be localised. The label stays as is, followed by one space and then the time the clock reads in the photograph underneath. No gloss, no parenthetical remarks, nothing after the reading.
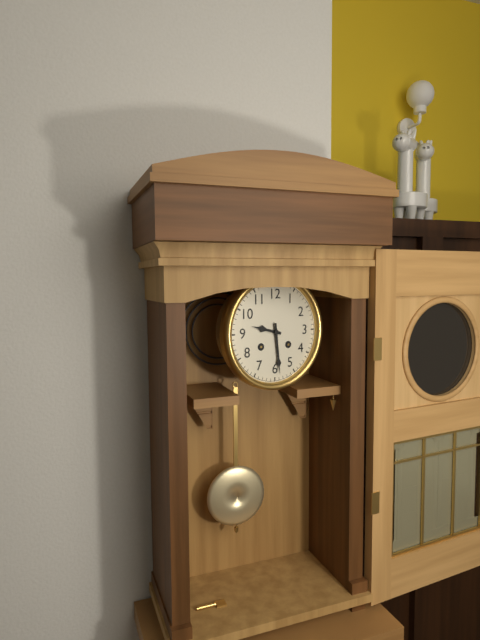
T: 9:29
